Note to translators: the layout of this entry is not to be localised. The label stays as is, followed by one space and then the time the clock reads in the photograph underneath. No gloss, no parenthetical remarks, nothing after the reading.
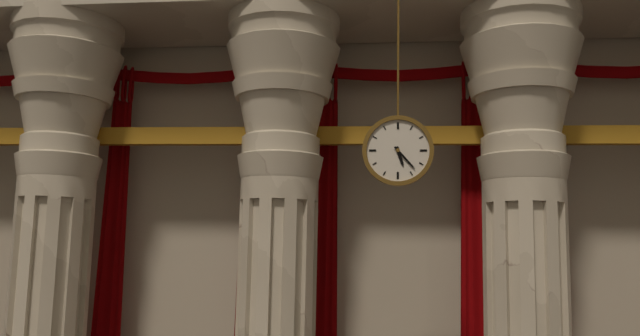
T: 5:23
